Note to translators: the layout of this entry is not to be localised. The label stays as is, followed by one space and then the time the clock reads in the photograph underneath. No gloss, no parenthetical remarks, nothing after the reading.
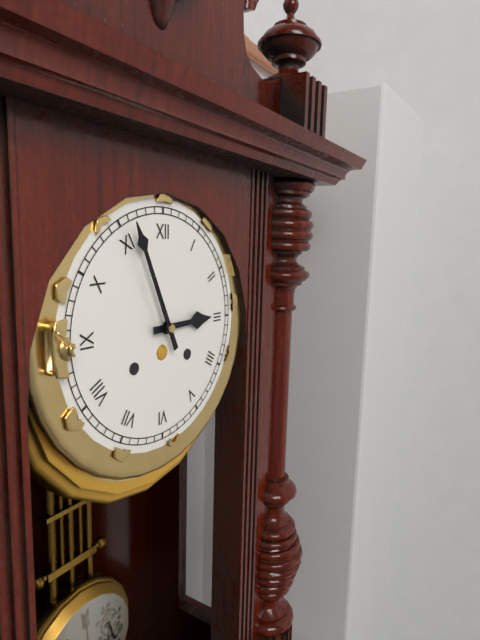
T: 2:56
